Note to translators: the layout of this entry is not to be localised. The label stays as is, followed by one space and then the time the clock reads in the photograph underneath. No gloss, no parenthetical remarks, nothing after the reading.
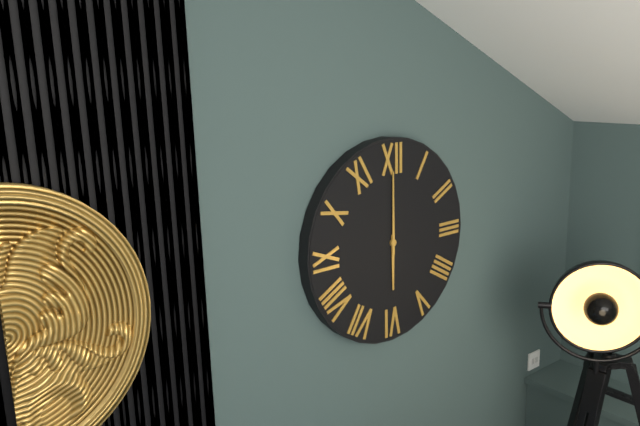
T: 6:00
